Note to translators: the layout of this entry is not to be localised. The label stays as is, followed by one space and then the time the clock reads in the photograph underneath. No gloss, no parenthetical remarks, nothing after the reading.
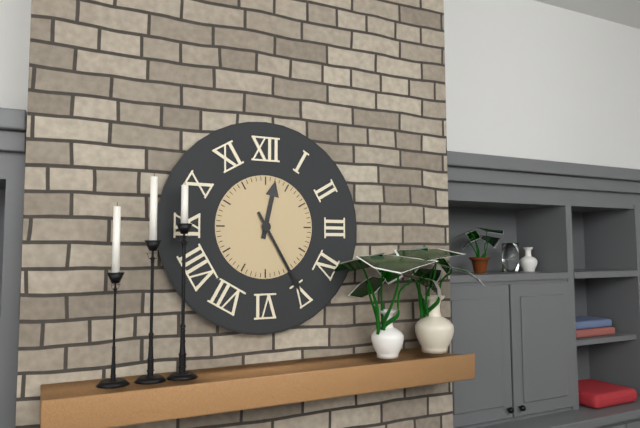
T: 12:25
